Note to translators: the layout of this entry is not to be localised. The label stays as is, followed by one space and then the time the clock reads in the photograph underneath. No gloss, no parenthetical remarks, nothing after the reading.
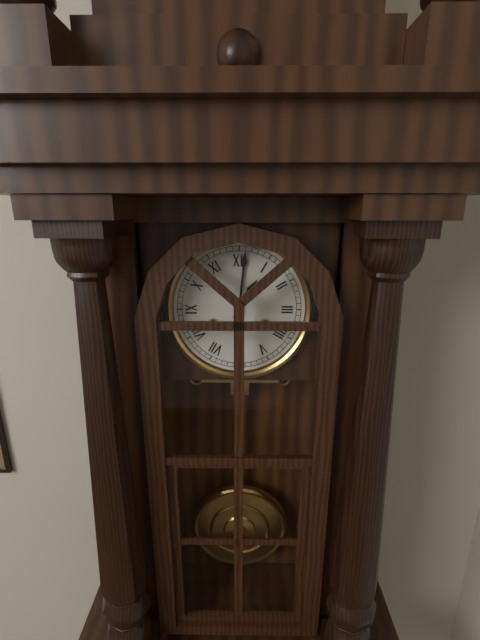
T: 1:01
